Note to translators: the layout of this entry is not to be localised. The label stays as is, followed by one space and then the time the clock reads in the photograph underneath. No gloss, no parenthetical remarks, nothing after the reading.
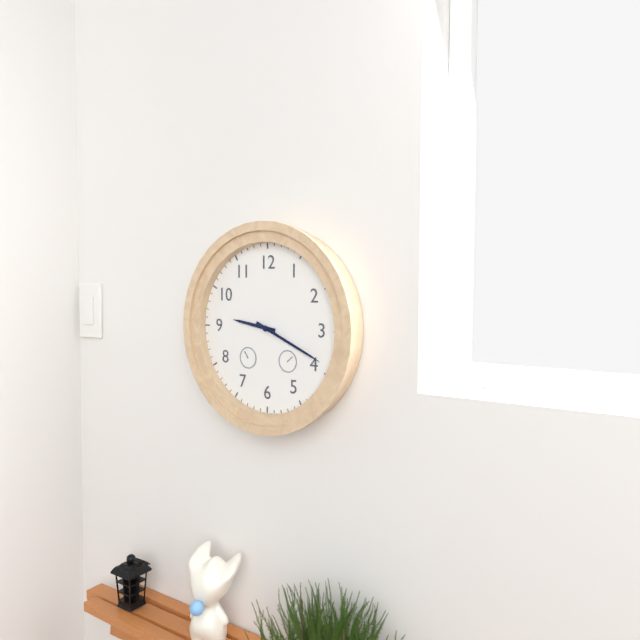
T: 9:19
